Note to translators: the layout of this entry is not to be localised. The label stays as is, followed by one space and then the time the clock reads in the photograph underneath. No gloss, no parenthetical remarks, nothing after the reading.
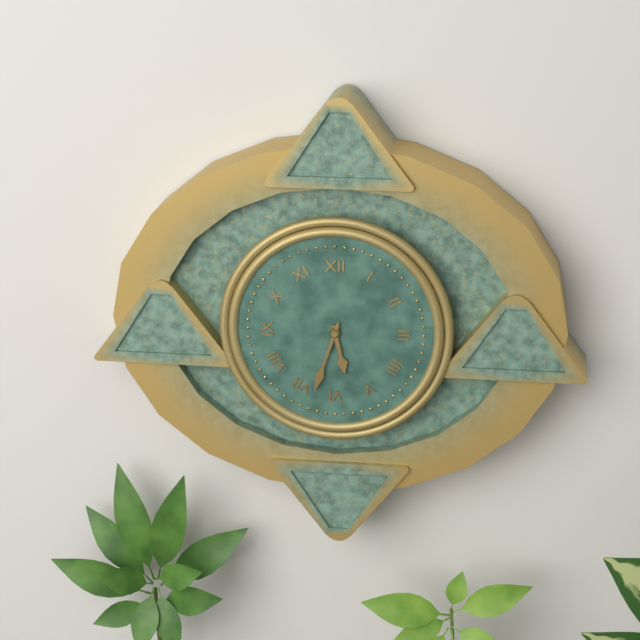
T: 5:33
